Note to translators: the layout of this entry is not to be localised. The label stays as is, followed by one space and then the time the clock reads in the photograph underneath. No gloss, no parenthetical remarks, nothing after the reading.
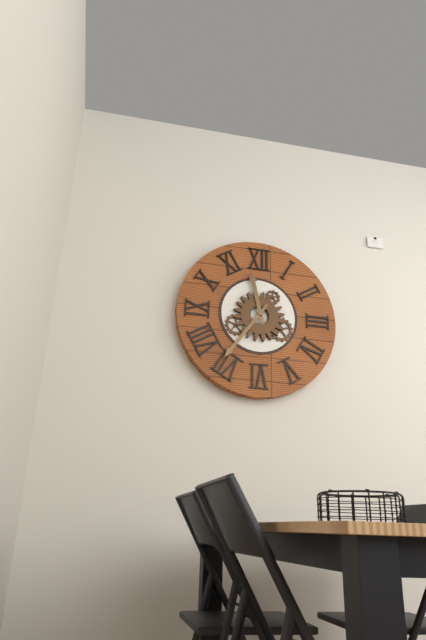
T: 11:36
